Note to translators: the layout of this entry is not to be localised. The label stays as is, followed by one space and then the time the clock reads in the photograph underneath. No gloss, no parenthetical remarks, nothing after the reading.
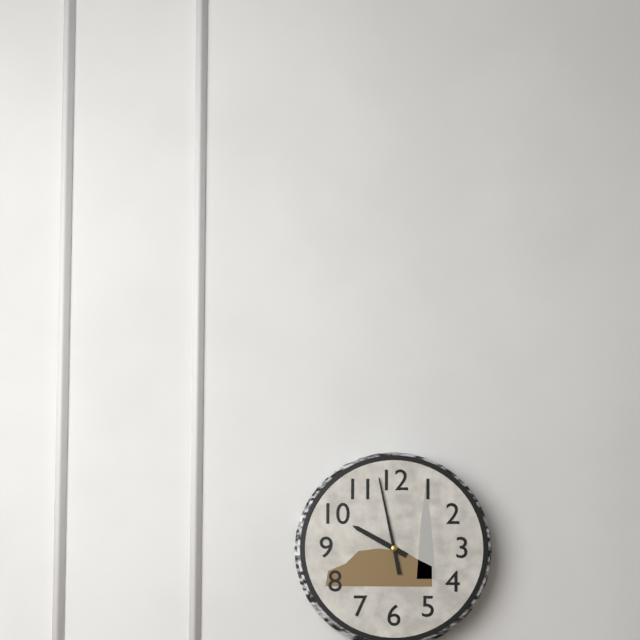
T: 9:58
